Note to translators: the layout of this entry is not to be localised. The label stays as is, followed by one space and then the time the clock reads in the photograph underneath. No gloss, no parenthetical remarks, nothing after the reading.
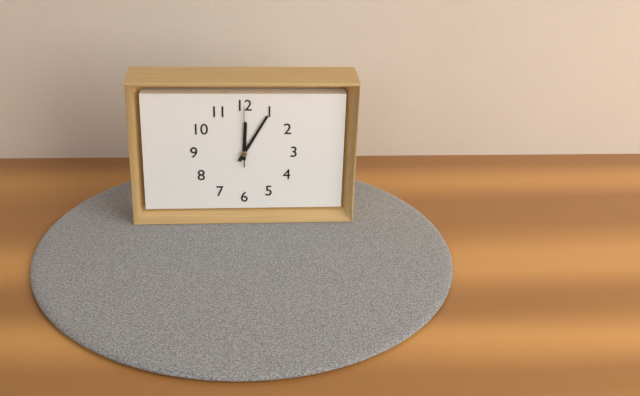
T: 12:05:00
